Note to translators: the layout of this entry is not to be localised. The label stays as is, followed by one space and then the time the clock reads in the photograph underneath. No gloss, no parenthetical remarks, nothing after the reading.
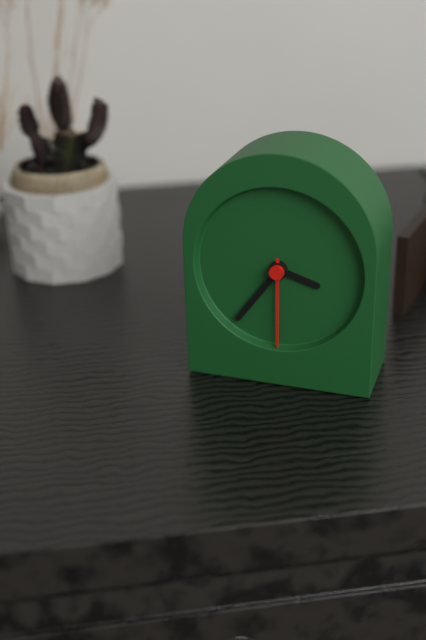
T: 3:36:30
